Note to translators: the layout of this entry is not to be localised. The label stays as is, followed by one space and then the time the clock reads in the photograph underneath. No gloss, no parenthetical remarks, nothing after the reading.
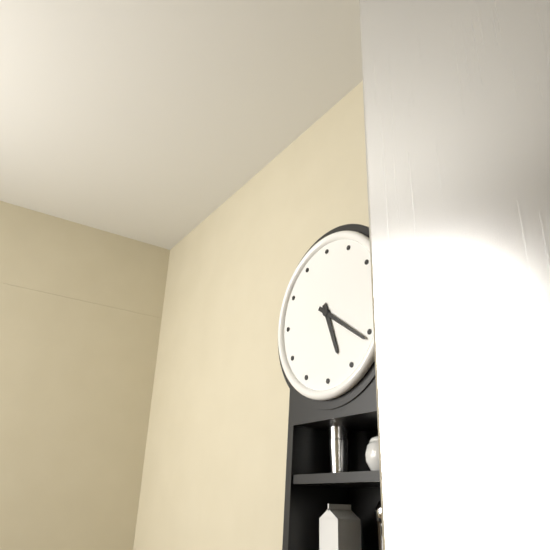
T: 5:21
